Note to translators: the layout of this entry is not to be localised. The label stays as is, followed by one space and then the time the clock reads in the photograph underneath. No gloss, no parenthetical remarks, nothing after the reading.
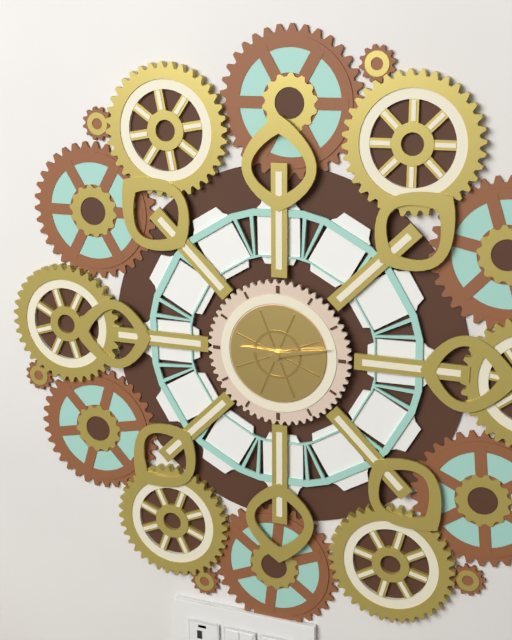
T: 9:13
